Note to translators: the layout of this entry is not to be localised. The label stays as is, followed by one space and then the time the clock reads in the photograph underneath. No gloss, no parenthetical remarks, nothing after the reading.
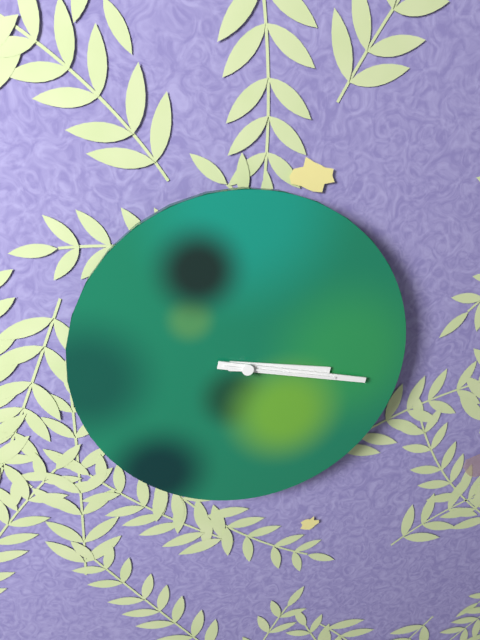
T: 3:17:17
